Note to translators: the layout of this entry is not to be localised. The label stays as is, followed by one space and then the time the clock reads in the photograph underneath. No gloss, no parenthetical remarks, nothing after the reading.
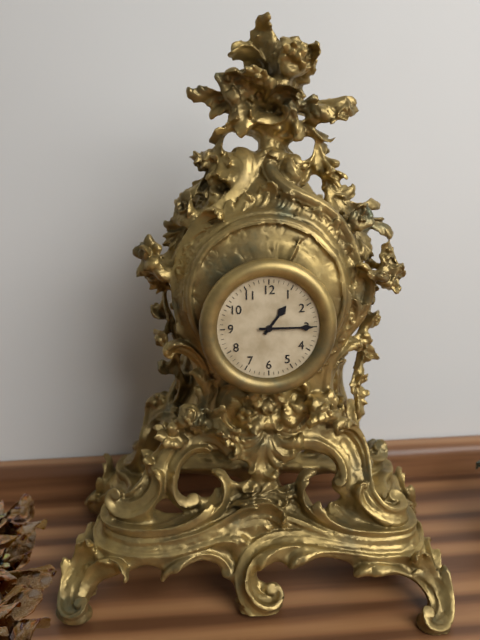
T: 1:15
